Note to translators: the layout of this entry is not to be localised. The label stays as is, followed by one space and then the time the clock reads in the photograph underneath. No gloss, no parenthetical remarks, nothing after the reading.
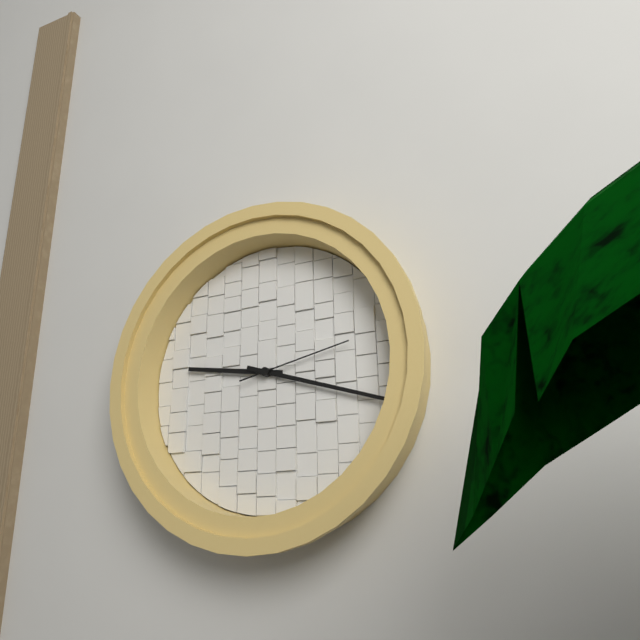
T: 9:18:13
